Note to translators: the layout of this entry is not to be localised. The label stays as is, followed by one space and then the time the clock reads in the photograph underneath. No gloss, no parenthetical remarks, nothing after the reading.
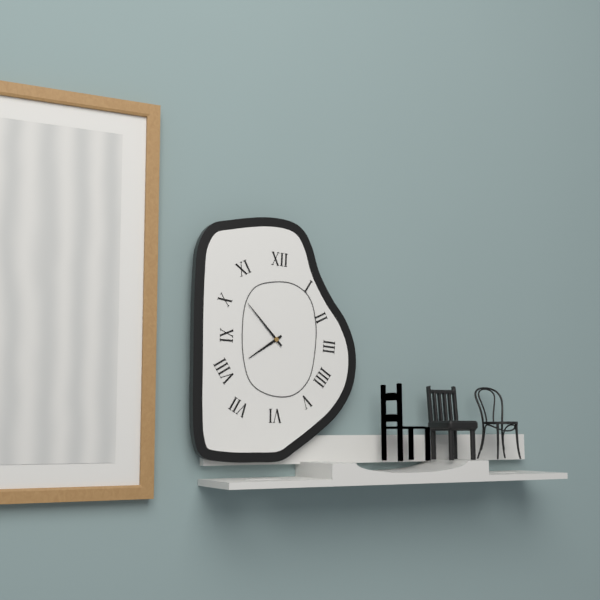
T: 7:53
